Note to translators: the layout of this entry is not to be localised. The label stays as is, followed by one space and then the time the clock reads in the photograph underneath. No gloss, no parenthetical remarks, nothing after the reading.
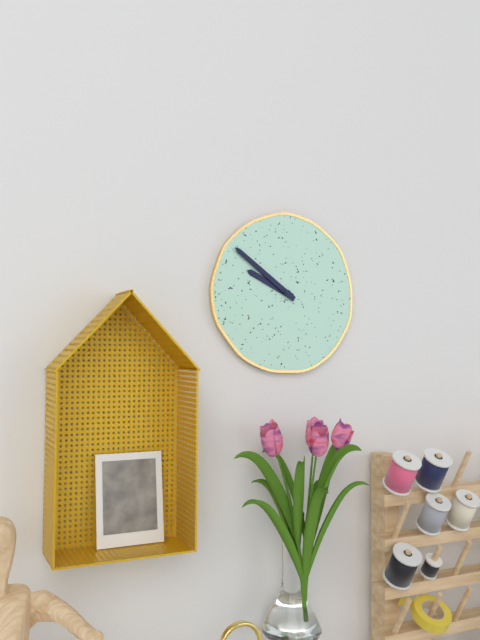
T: 9:51
